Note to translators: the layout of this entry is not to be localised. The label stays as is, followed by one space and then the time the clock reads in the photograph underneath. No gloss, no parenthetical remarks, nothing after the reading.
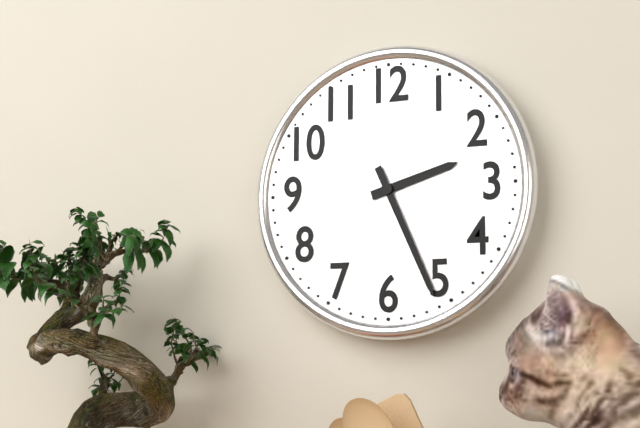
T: 2:26
